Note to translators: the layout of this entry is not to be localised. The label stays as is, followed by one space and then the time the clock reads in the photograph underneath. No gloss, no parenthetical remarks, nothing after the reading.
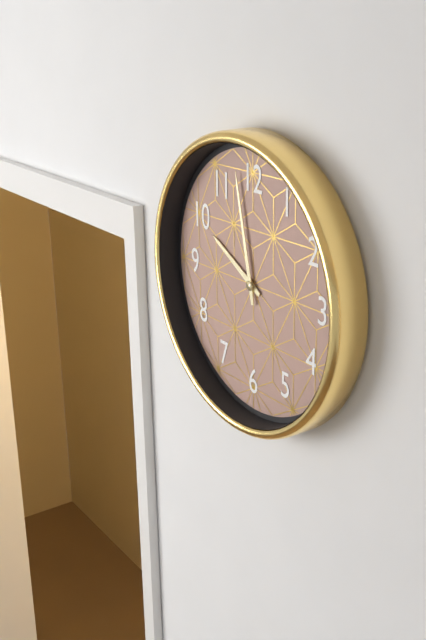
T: 9:58
